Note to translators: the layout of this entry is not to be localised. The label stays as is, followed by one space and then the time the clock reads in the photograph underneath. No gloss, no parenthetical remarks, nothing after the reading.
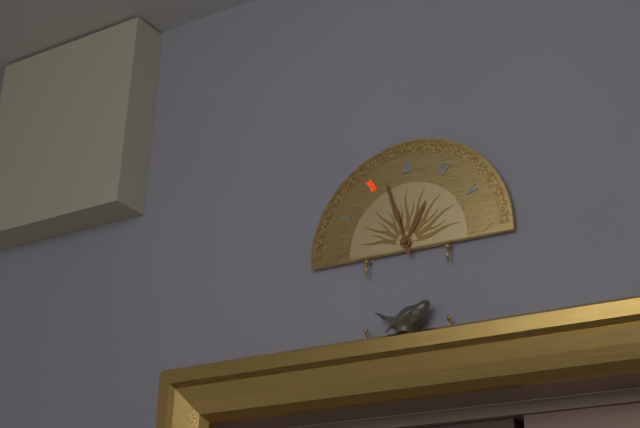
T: 12:57
